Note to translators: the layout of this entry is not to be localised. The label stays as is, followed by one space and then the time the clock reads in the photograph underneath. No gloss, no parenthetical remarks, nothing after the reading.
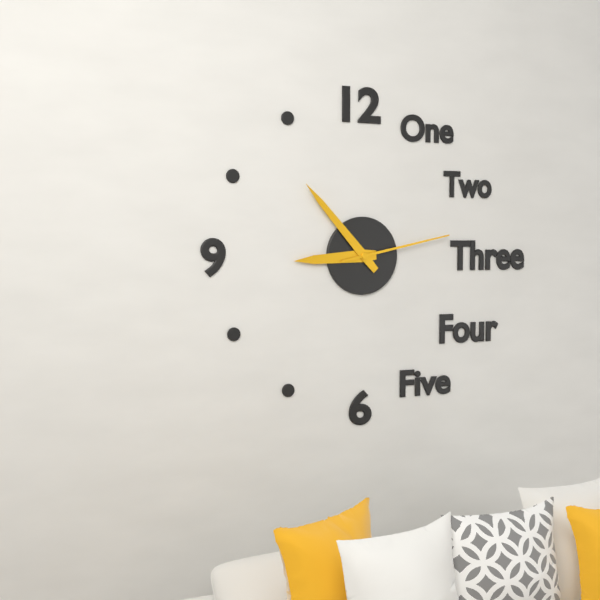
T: 8:53:13
